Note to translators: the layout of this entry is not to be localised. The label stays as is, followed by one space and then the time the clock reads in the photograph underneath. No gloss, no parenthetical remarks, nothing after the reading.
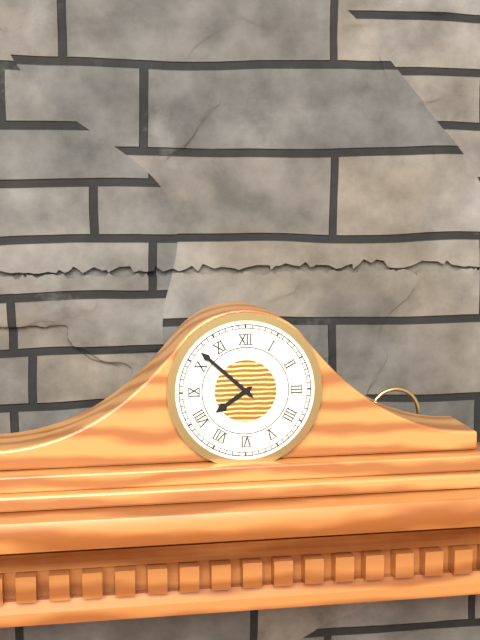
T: 7:52
